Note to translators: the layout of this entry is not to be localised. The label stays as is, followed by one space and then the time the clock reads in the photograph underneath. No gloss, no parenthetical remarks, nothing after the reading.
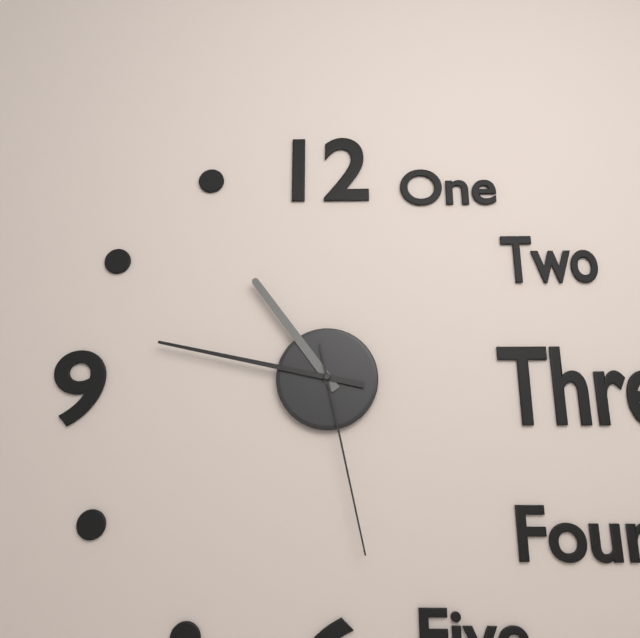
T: 10:47:28
